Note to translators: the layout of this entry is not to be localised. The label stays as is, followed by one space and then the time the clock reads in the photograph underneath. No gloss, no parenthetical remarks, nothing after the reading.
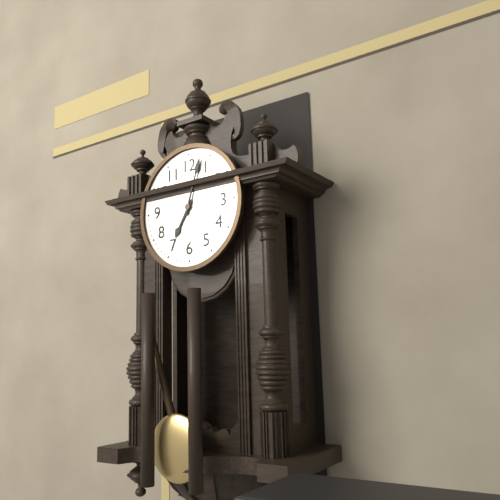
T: 7:03
